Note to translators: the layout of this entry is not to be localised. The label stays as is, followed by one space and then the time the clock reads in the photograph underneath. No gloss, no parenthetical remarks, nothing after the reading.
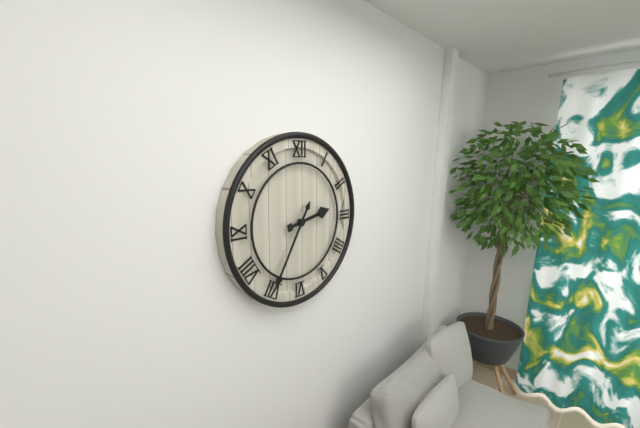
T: 2:35
